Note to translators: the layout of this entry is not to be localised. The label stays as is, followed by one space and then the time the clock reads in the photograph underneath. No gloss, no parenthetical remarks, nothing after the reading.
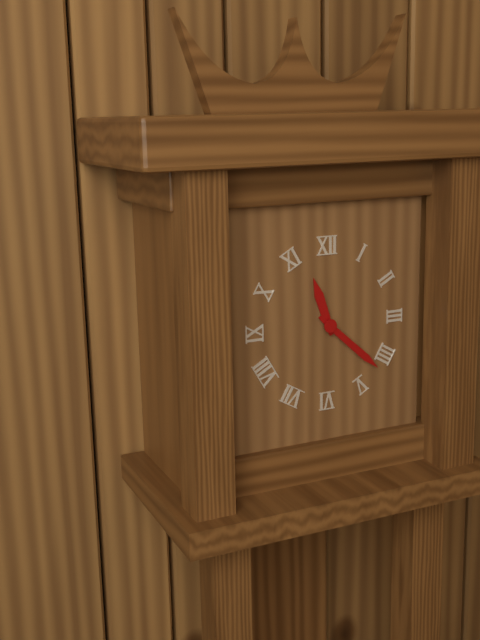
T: 11:22
